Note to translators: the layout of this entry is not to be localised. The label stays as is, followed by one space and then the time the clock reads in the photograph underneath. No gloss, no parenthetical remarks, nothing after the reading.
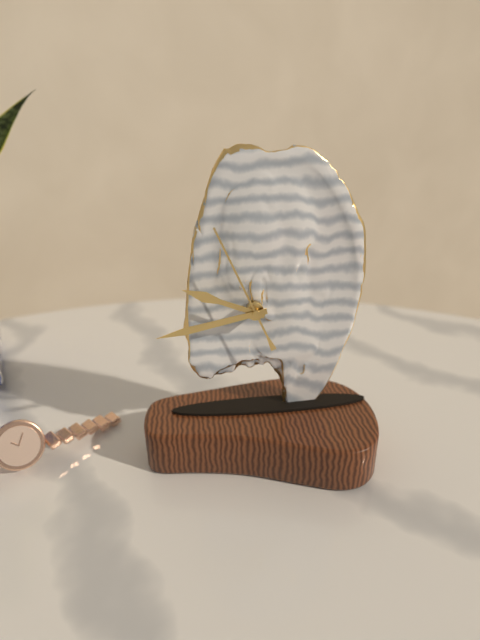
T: 9:43:56
